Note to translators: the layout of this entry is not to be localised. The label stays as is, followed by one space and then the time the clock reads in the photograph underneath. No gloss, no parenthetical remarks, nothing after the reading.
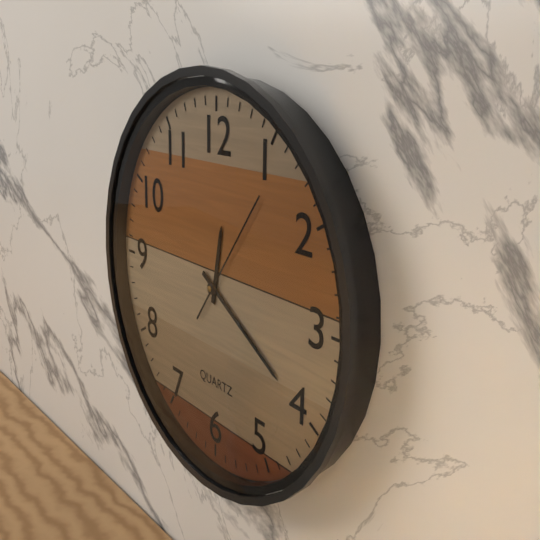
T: 12:20:06
